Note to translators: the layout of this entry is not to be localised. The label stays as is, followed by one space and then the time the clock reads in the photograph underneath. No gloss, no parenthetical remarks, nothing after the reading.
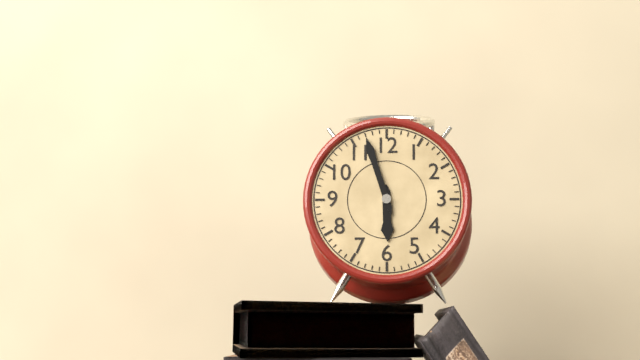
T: 5:57
